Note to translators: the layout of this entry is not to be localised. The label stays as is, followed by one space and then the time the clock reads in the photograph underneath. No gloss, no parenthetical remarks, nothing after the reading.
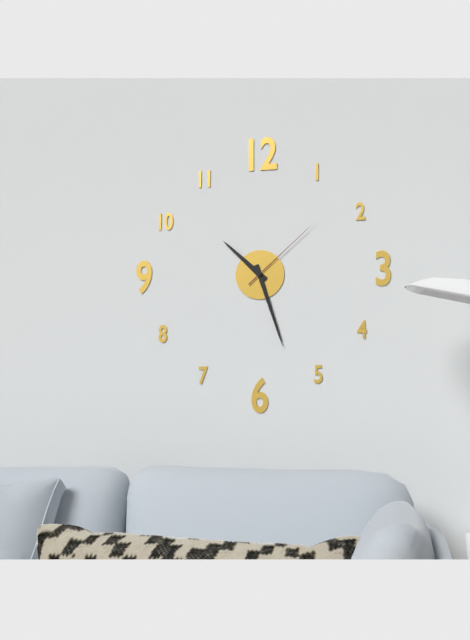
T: 10:27:08
